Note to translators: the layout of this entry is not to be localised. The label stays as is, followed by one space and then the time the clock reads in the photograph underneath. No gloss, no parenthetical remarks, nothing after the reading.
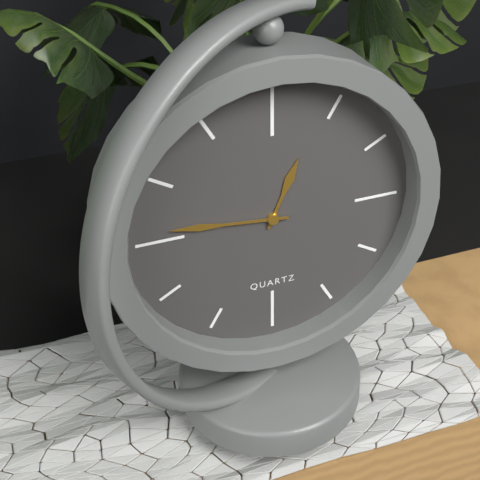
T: 12:46
